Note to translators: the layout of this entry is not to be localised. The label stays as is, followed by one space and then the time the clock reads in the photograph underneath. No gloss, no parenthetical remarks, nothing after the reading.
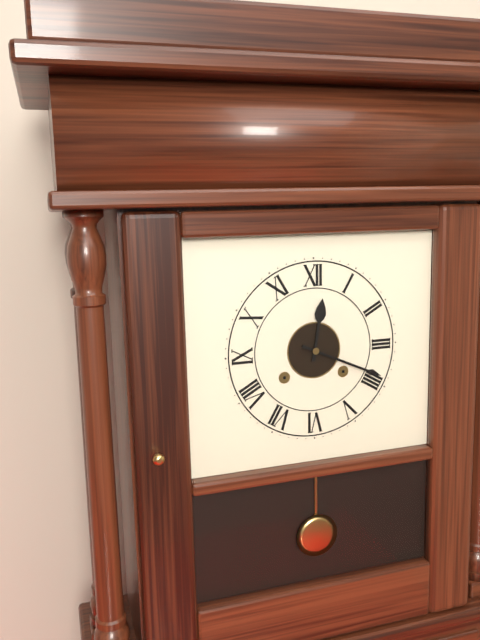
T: 12:19
